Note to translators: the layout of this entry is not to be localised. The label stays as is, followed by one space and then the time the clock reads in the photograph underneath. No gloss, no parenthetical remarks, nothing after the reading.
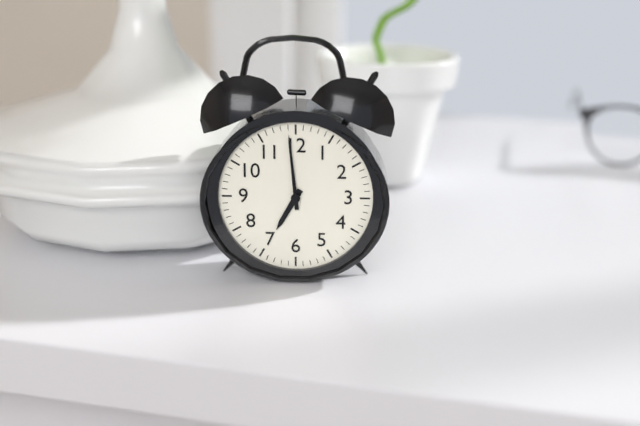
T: 6:59
